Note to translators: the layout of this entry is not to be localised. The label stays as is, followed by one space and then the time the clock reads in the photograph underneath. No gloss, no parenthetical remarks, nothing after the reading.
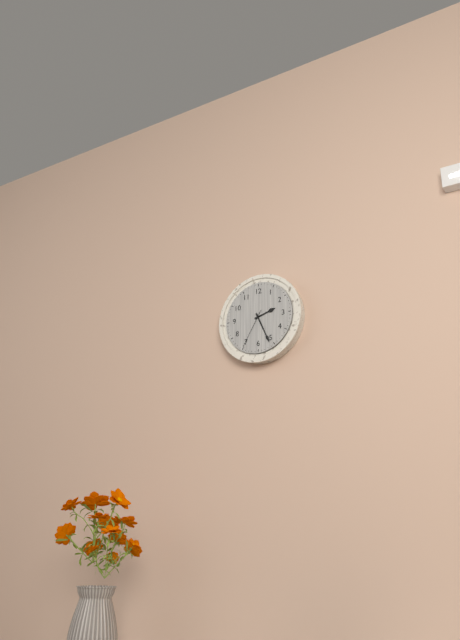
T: 2:26
